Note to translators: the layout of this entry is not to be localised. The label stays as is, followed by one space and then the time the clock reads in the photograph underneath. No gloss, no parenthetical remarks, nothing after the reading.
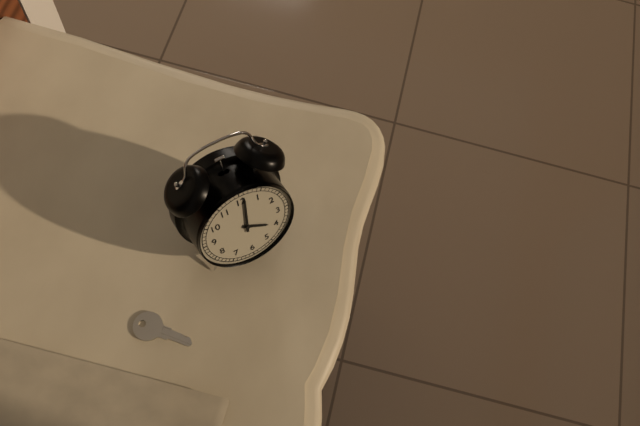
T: 4:01
